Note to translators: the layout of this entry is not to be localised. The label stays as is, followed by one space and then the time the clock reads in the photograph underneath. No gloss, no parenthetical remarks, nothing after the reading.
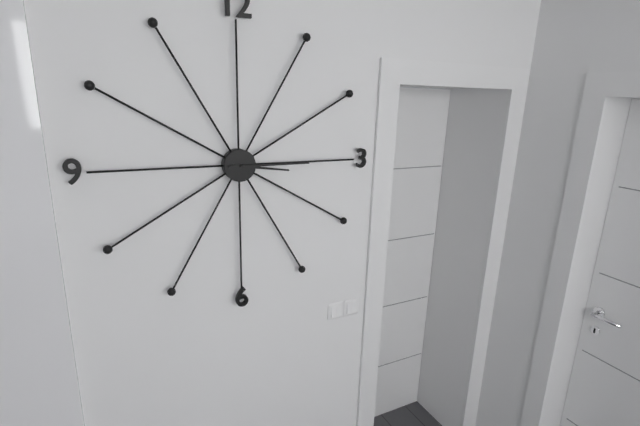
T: 3:15
